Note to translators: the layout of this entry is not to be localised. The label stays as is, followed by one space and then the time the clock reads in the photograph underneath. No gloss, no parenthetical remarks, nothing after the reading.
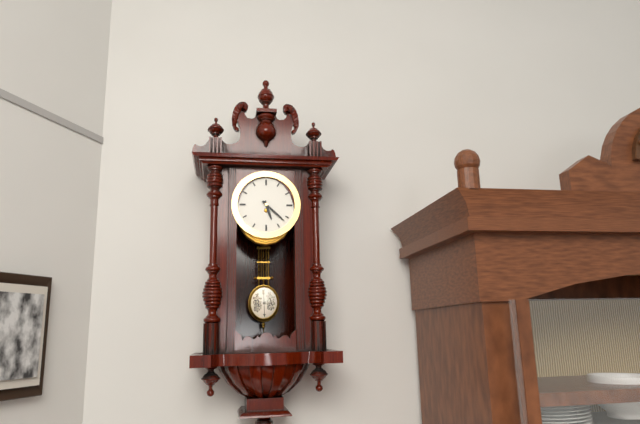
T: 5:22
